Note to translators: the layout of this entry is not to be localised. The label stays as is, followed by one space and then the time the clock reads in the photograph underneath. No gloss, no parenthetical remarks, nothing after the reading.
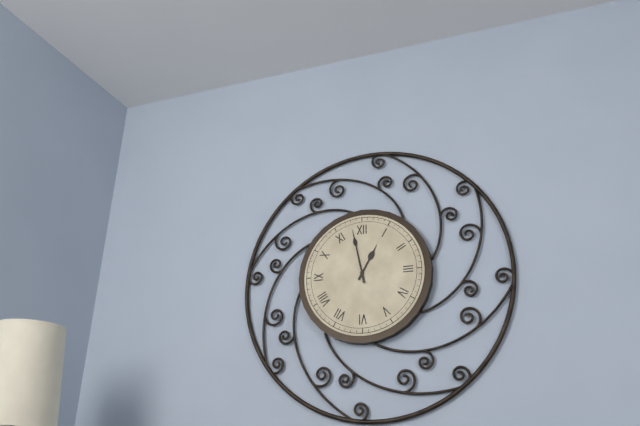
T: 12:58
